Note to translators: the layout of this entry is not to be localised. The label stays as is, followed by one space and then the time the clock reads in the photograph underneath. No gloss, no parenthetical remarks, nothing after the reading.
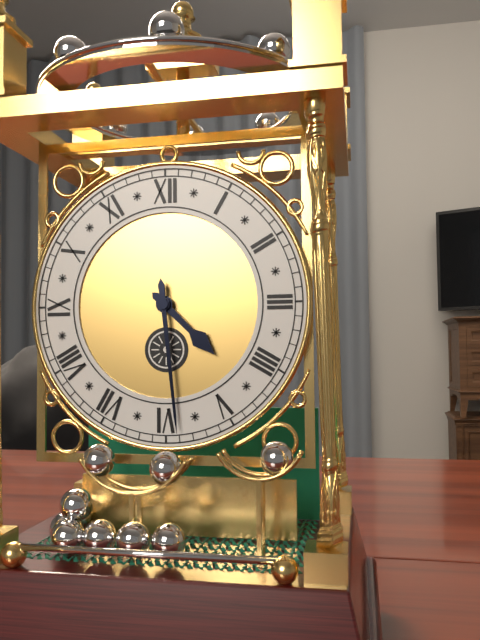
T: 4:29
